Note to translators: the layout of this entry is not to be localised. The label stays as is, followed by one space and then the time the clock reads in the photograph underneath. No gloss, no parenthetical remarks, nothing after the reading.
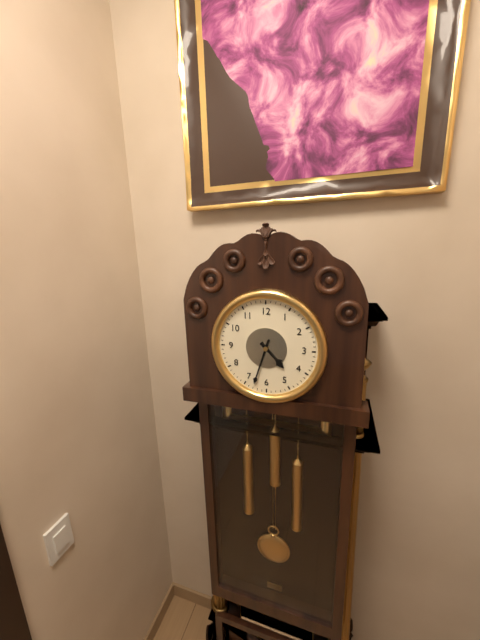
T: 4:33
